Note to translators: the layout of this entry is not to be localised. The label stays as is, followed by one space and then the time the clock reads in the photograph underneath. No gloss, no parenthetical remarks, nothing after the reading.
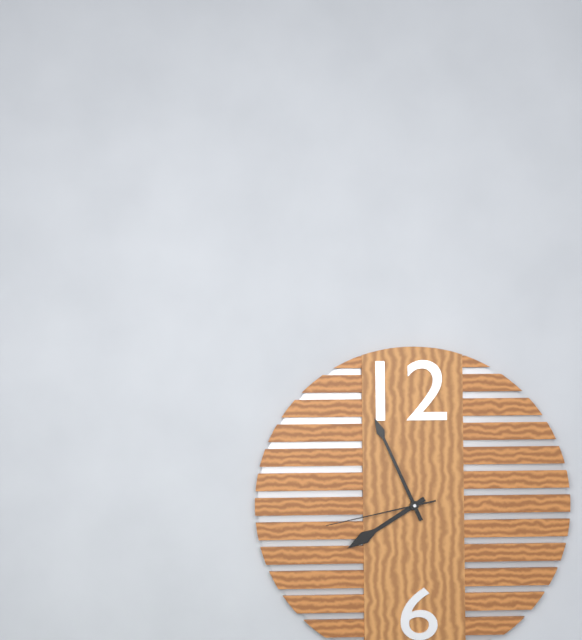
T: 7:56:43
